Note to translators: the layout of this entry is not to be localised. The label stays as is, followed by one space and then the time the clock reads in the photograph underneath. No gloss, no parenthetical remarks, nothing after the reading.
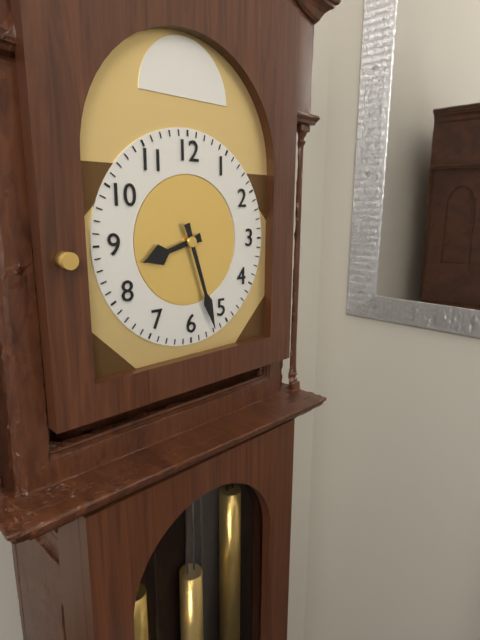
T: 8:27
